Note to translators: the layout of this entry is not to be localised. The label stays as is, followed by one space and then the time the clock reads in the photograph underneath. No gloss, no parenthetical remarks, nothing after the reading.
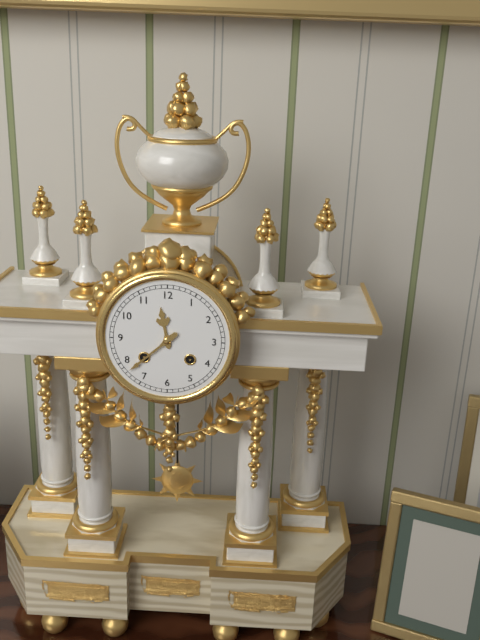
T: 11:38
